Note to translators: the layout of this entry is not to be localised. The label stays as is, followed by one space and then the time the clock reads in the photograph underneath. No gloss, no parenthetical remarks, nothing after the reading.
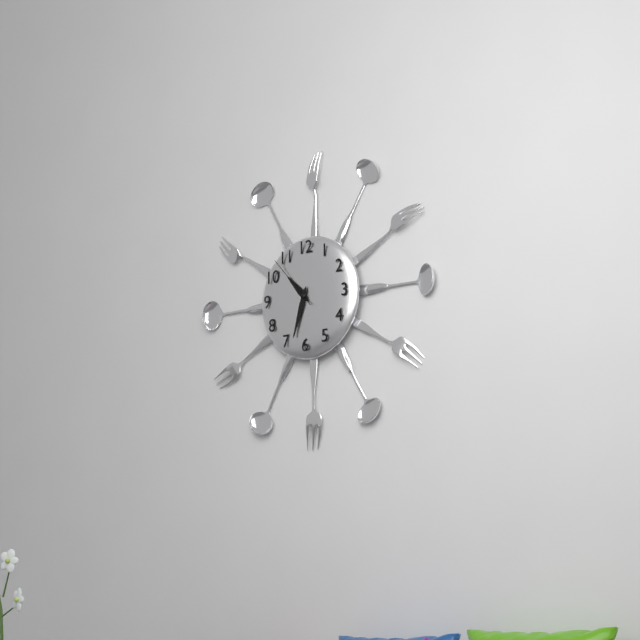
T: 10:33:53
